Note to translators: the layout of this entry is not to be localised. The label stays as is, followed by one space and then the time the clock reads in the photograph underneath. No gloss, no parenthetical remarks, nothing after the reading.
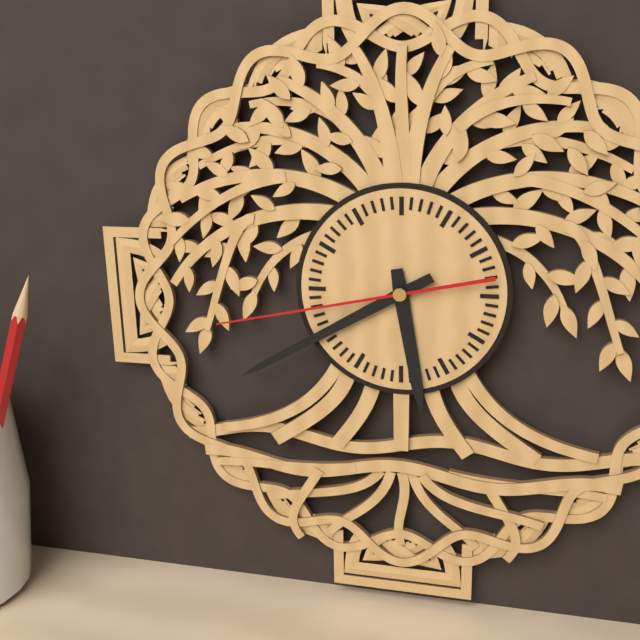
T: 5:40:43
